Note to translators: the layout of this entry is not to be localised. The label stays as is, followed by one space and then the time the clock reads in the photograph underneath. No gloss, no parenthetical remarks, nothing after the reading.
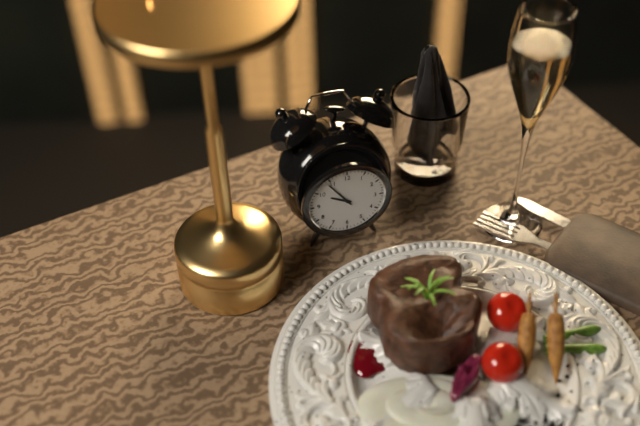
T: 9:54
